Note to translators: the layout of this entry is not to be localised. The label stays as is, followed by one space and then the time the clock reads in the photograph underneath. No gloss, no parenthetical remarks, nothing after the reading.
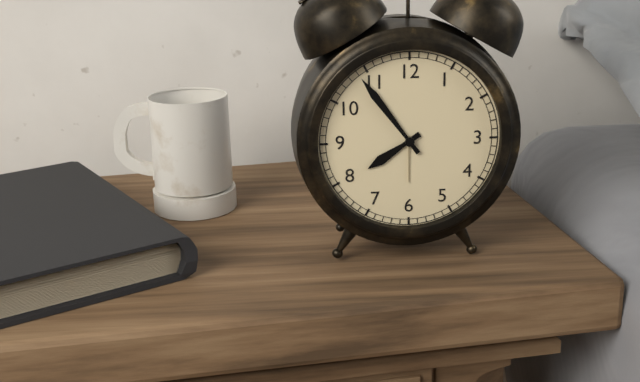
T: 7:54
